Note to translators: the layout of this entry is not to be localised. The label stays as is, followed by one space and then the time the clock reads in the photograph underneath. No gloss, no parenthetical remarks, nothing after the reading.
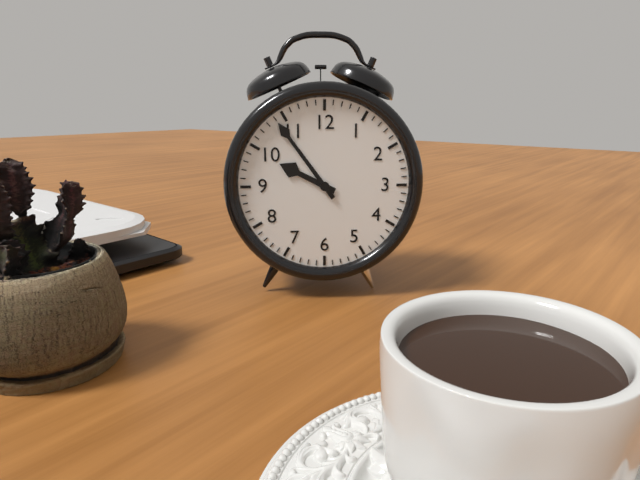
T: 9:54
